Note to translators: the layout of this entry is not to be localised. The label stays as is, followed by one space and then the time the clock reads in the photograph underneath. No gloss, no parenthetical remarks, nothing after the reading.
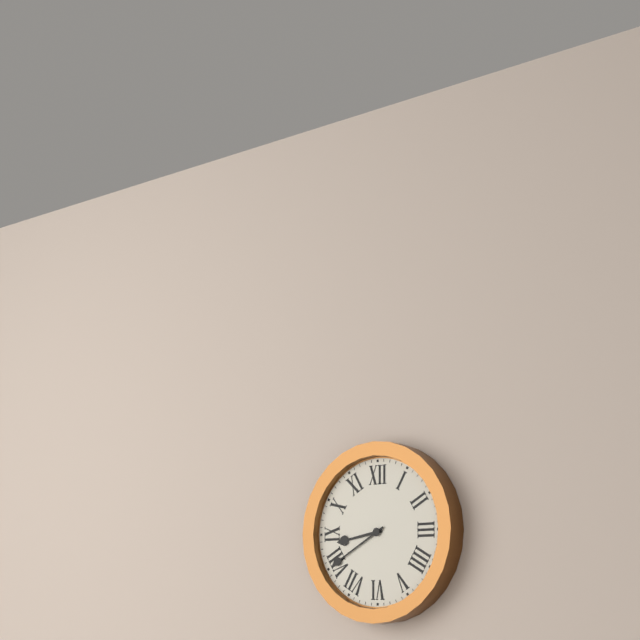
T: 8:40
